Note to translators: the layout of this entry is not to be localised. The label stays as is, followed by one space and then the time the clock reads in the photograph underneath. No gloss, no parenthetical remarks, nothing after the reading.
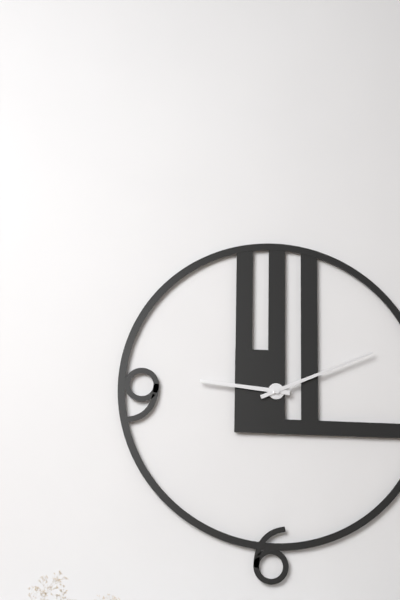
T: 9:11
